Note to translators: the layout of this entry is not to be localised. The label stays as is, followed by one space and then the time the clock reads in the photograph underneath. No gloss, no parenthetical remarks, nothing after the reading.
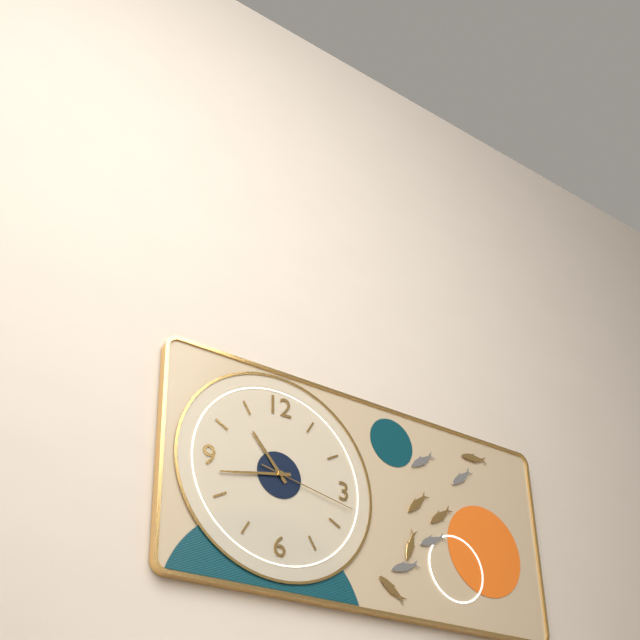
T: 10:43:17
